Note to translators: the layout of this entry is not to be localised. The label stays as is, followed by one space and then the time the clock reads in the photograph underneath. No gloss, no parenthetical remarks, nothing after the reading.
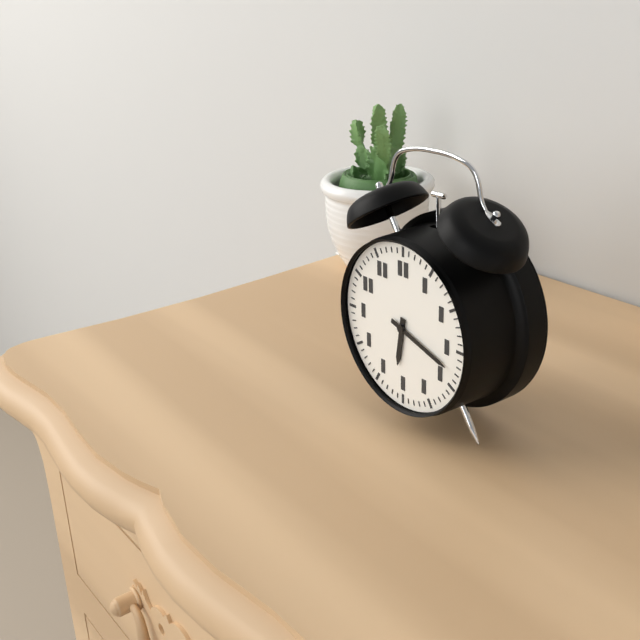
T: 6:18
